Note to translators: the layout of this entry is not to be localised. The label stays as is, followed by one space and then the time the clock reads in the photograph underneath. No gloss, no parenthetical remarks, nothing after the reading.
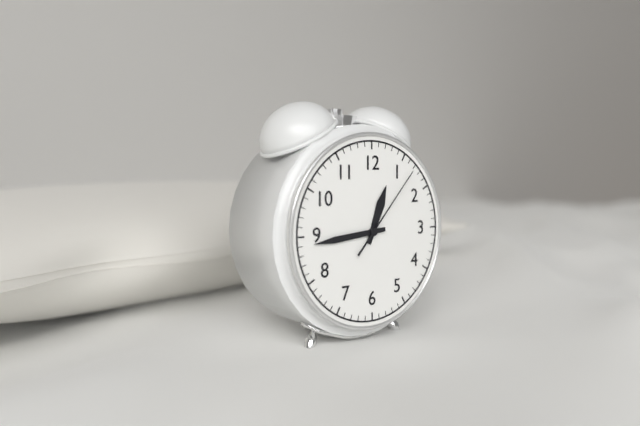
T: 12:44:07
